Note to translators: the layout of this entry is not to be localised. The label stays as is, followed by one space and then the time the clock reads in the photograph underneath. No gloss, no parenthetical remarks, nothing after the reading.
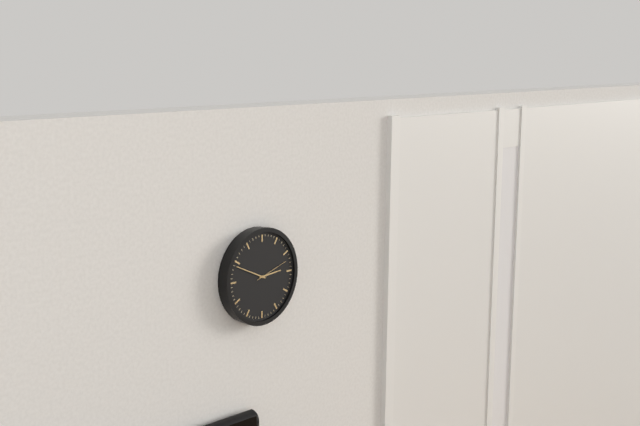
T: 2:49
